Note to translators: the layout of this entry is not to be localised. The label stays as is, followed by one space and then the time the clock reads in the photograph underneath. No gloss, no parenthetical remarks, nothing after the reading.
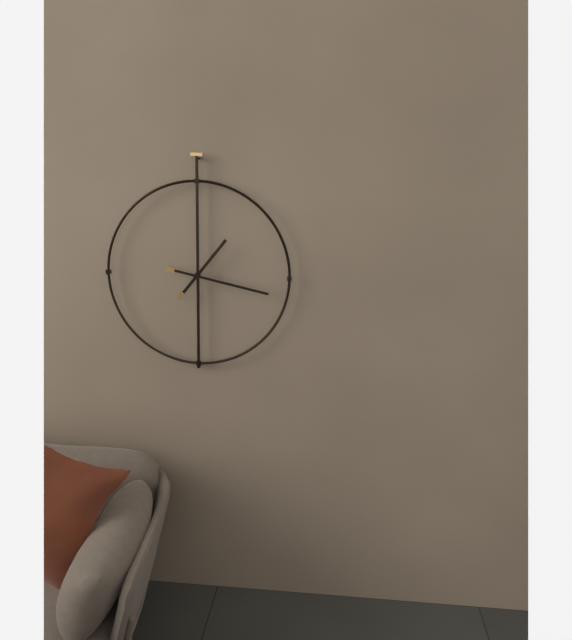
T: 1:17
